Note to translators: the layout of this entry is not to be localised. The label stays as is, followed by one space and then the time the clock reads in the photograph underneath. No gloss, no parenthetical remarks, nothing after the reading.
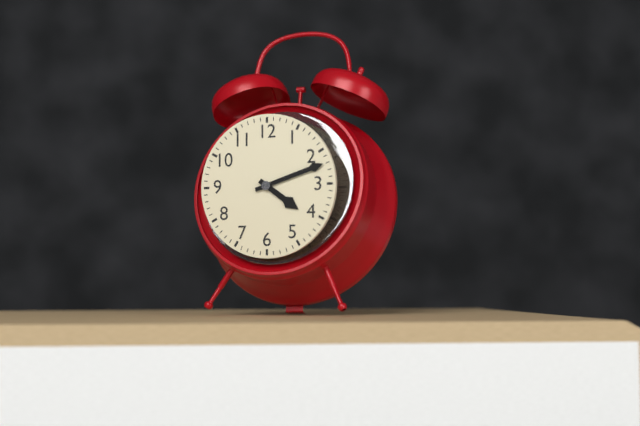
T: 4:12
